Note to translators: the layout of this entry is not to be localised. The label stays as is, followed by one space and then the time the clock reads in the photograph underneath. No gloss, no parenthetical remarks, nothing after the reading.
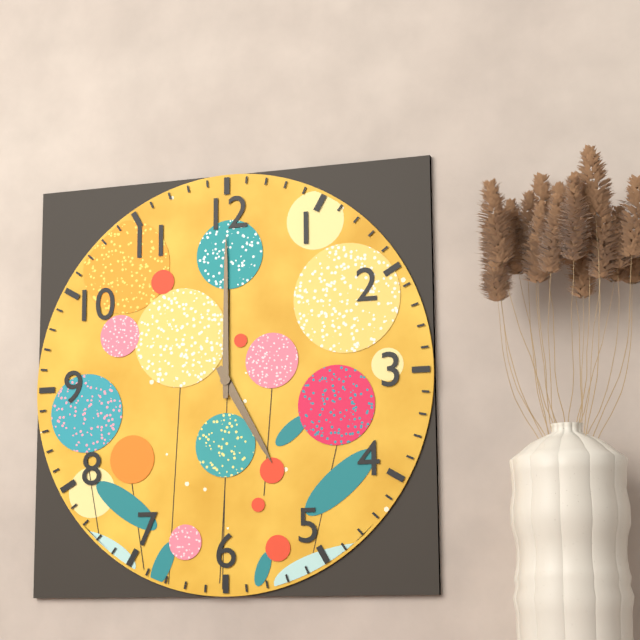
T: 5:00
